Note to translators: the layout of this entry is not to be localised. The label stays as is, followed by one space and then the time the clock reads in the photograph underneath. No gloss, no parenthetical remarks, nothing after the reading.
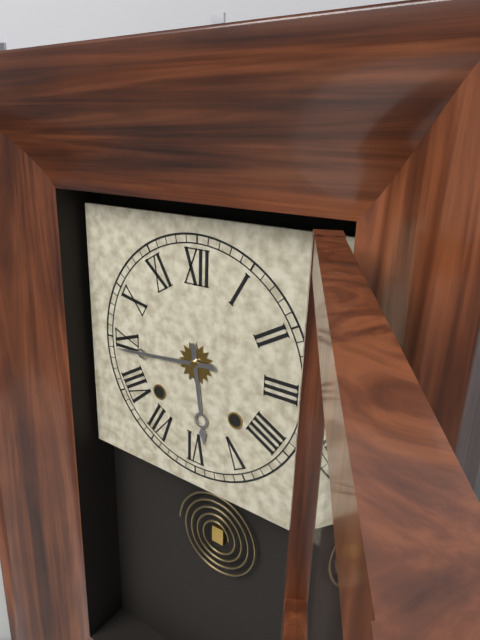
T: 5:44
